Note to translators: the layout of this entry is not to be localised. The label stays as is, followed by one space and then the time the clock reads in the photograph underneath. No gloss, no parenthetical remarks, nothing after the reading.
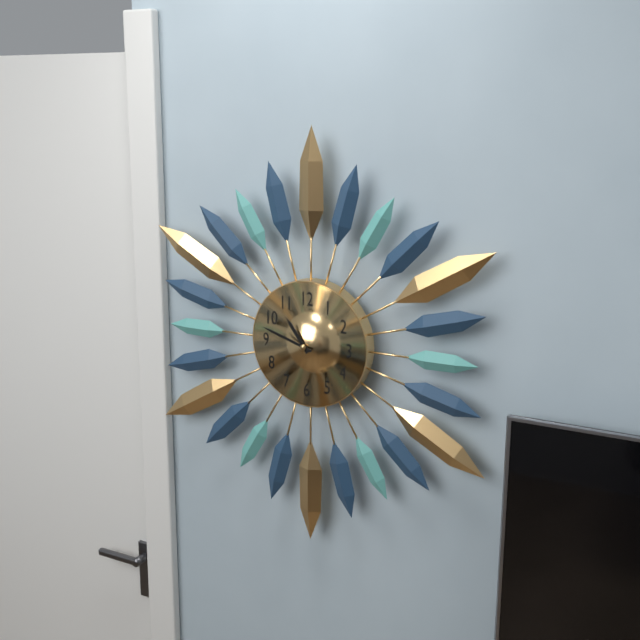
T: 10:48
